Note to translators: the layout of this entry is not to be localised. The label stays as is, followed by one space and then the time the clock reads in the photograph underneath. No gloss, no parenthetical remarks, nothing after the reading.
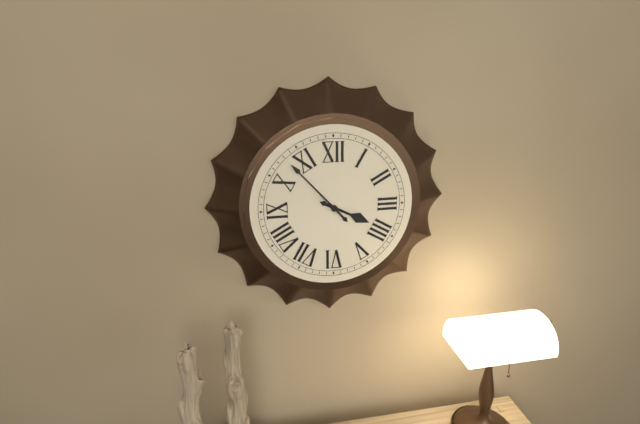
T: 3:53
